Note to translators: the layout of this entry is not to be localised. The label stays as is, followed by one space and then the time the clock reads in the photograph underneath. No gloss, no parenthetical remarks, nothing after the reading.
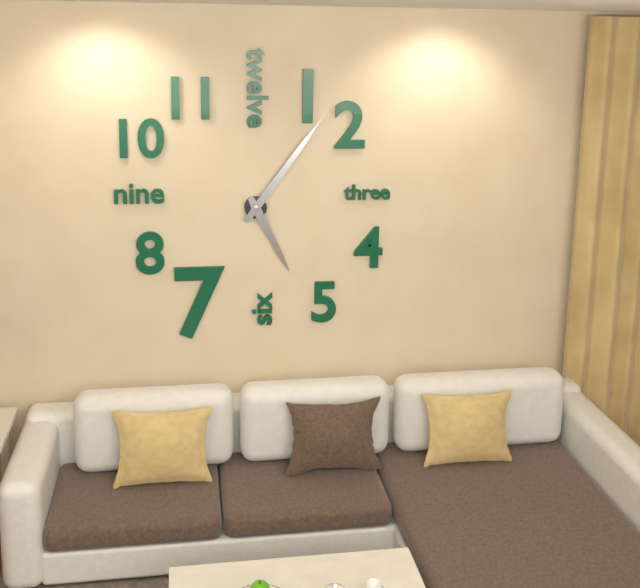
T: 5:06
